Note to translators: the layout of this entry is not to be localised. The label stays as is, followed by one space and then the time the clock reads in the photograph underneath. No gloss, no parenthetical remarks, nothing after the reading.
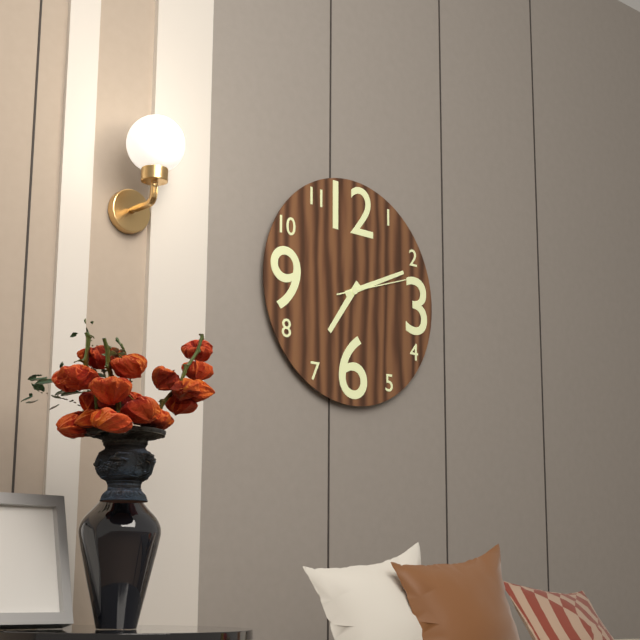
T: 7:11:12
